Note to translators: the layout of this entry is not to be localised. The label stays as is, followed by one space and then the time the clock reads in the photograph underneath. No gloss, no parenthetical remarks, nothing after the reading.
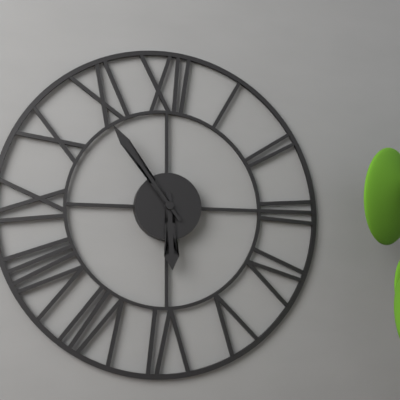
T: 5:54
